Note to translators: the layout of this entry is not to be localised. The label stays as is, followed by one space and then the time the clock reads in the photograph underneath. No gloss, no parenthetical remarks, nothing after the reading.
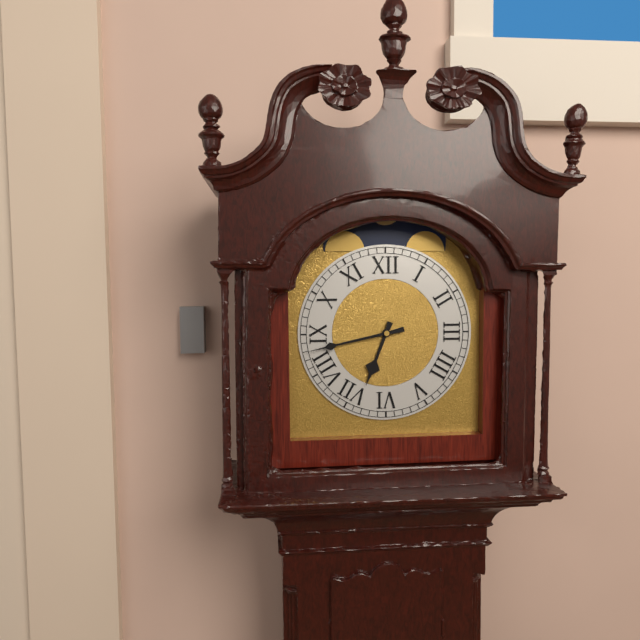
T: 6:43
